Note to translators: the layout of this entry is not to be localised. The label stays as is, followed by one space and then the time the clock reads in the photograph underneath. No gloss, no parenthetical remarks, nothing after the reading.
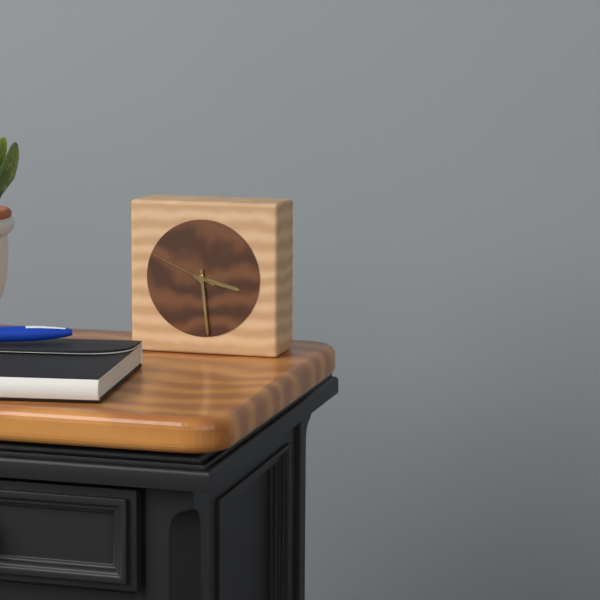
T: 3:29:49
